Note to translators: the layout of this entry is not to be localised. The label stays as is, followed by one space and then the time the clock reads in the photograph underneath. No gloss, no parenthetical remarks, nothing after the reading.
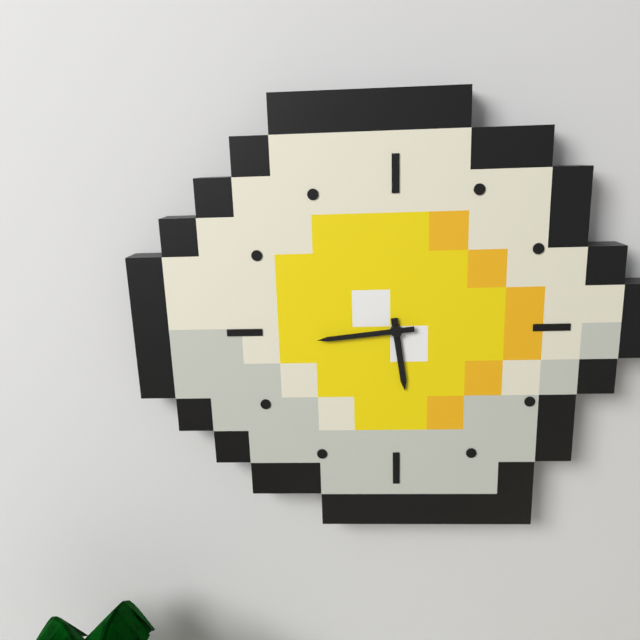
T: 5:44
